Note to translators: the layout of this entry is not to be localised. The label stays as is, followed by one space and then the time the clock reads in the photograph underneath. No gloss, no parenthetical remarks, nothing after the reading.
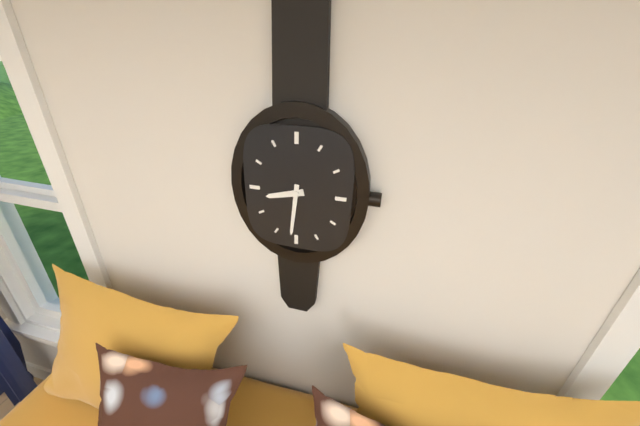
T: 8:31
